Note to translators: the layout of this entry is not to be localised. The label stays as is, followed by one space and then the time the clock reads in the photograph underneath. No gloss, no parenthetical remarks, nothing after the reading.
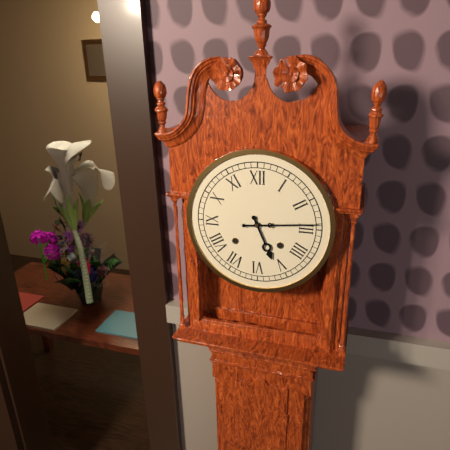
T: 5:14
